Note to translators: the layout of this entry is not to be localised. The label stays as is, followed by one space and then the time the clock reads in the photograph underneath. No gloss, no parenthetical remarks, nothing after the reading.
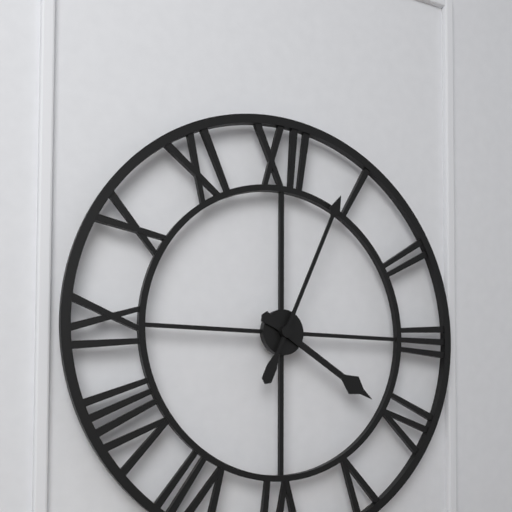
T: 4:04
